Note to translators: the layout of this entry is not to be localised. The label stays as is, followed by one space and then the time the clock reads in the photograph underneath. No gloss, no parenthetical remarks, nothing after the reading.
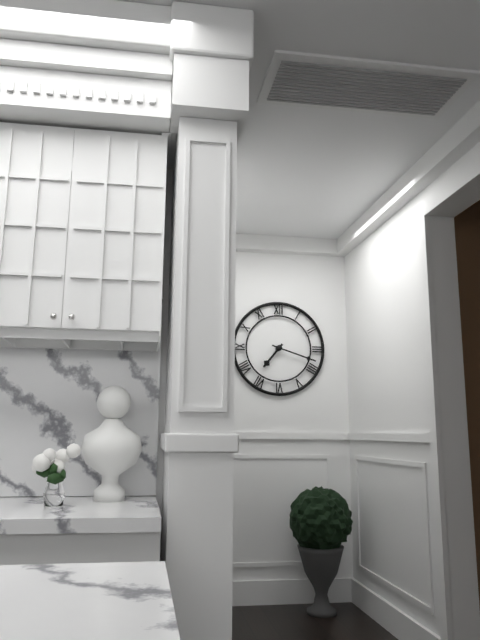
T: 7:18
